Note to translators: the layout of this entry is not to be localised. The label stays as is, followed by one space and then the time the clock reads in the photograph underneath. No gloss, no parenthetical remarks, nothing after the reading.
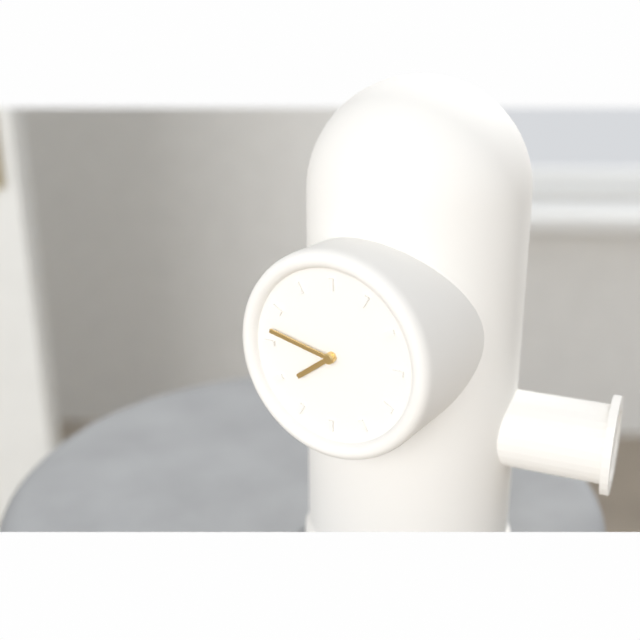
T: 7:47
